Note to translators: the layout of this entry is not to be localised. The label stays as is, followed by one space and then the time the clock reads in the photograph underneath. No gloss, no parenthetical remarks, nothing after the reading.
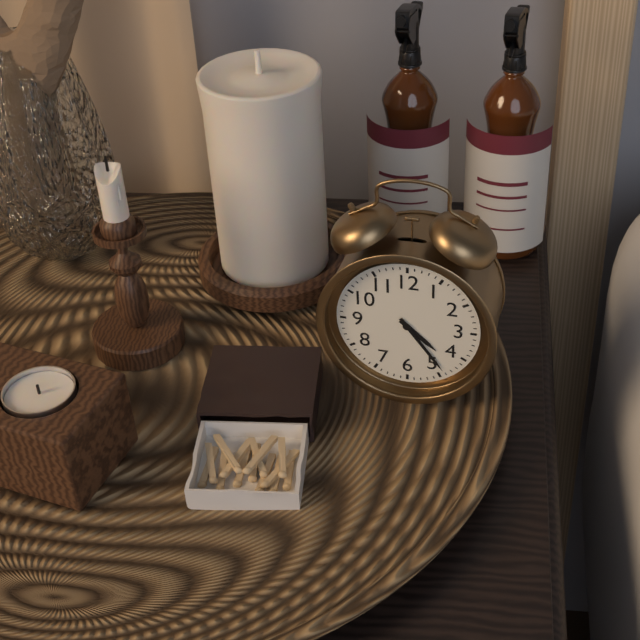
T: 4:24
